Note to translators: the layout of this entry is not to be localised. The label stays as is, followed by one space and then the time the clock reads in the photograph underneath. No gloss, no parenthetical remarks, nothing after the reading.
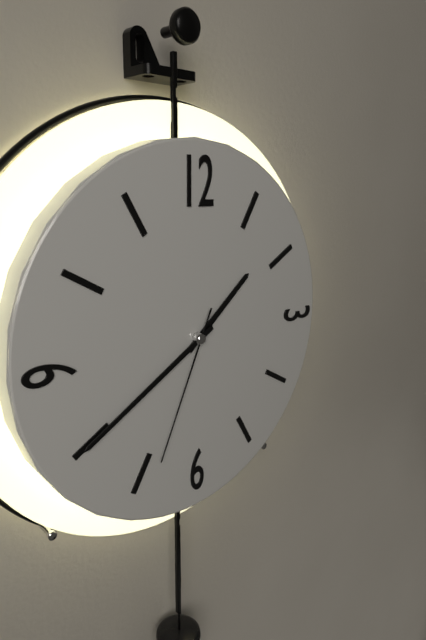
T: 1:40:34
